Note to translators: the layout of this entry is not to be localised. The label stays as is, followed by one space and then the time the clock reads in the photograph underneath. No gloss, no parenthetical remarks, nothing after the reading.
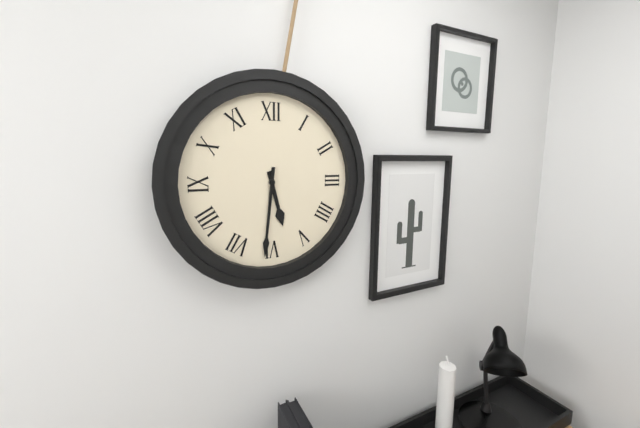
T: 5:31
